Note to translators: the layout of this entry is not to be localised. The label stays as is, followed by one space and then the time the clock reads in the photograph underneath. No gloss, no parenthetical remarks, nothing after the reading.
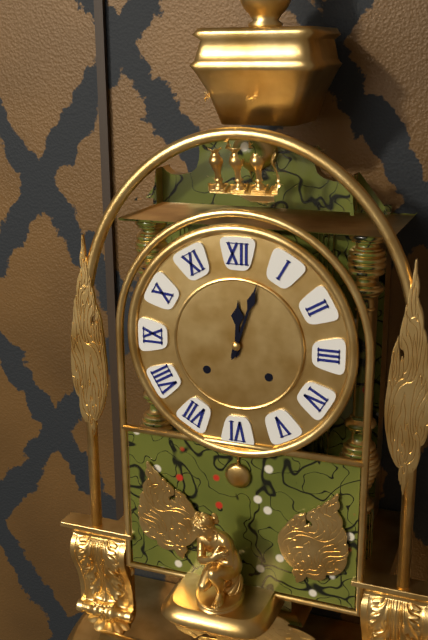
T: 12:03
